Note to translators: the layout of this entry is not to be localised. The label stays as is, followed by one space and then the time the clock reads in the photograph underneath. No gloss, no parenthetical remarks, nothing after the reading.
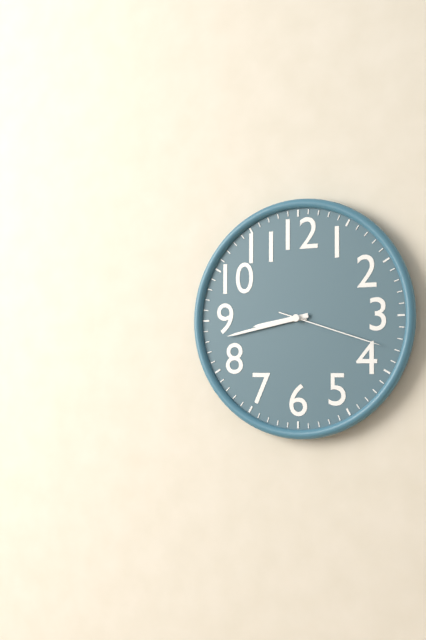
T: 8:43:18
